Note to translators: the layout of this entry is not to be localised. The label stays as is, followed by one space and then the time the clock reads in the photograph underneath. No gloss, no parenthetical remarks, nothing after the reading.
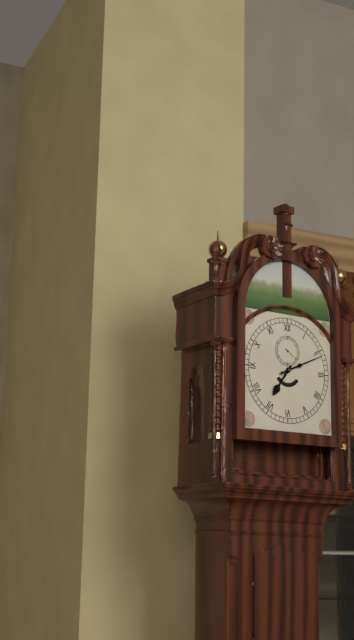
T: 7:11
